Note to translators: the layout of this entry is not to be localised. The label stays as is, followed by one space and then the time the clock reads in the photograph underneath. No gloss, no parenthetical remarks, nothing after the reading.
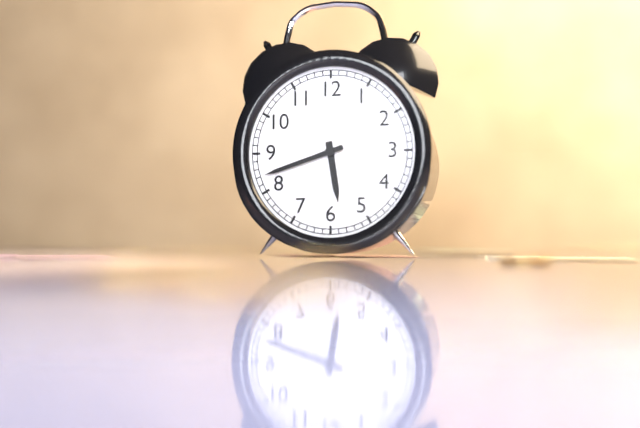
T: 5:42
